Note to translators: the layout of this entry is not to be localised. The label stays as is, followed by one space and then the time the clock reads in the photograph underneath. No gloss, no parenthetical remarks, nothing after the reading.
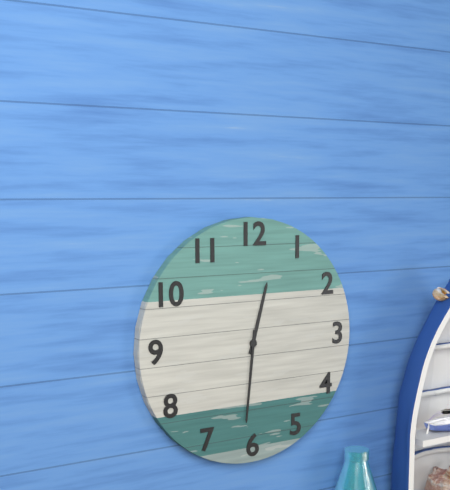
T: 12:31
